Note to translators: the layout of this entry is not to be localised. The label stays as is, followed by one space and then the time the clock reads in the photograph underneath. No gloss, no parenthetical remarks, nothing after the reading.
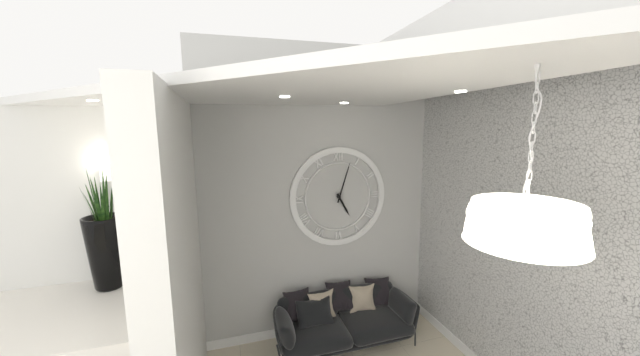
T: 5:03
